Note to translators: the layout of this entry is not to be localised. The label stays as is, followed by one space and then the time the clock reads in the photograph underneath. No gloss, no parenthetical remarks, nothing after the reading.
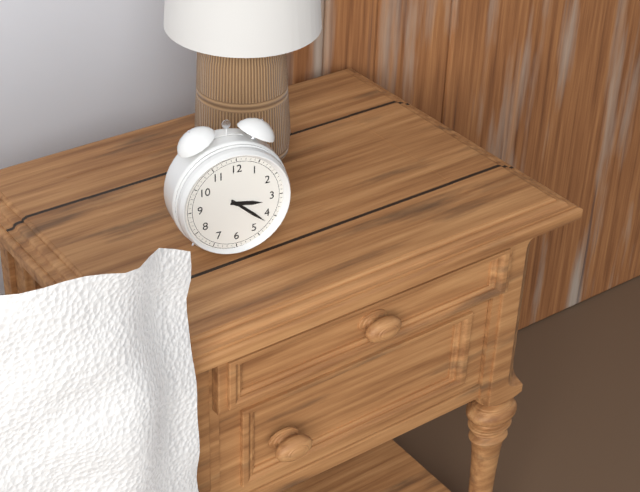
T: 3:22
